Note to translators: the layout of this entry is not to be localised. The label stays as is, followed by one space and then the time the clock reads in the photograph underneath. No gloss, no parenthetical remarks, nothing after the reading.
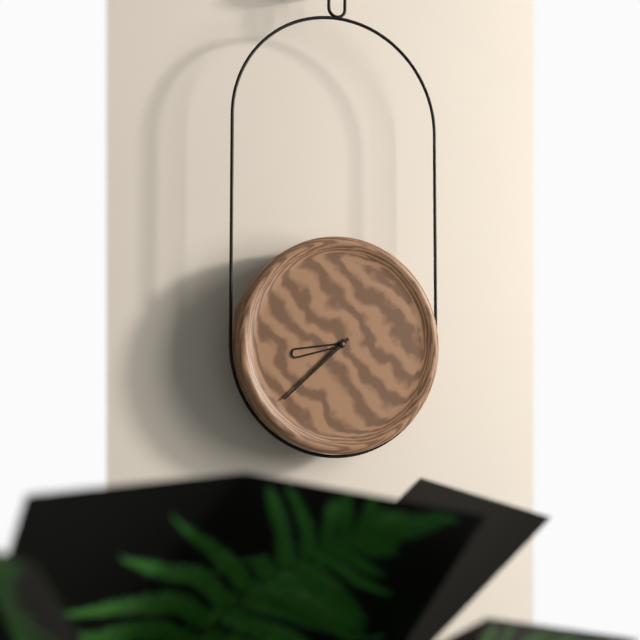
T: 8:38
